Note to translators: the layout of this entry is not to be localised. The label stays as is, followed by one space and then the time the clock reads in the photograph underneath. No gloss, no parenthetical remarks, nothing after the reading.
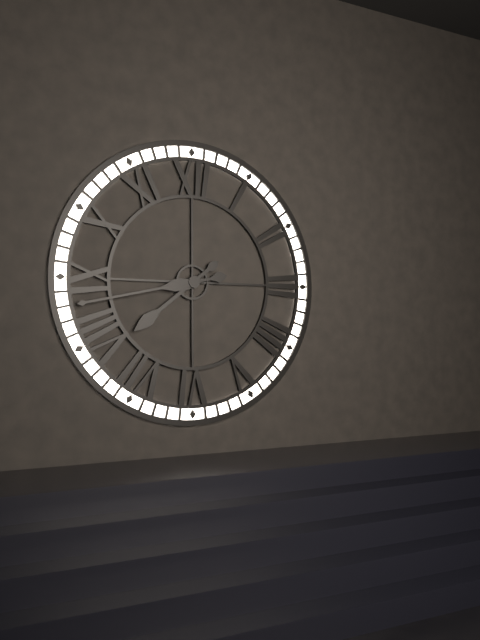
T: 7:43
